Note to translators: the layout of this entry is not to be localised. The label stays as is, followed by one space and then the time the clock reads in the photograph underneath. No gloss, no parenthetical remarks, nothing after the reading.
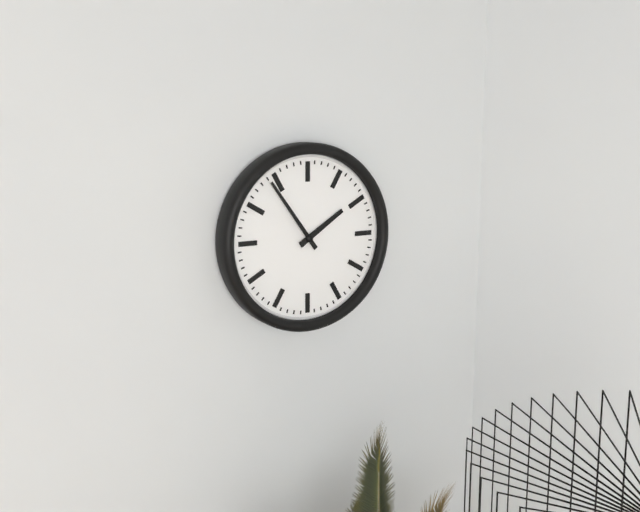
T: 1:54
